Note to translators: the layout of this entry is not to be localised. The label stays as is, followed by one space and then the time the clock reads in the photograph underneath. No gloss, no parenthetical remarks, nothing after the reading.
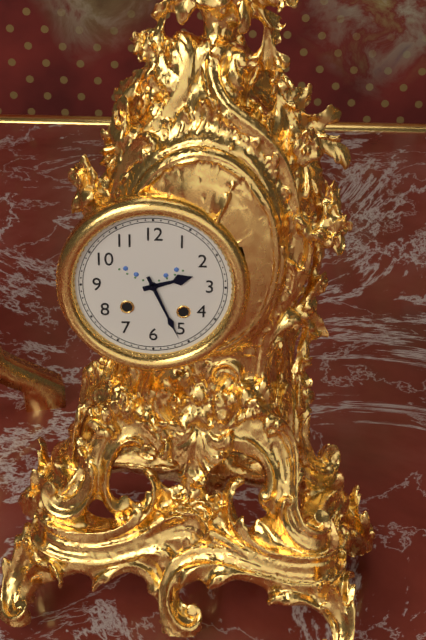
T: 2:26
